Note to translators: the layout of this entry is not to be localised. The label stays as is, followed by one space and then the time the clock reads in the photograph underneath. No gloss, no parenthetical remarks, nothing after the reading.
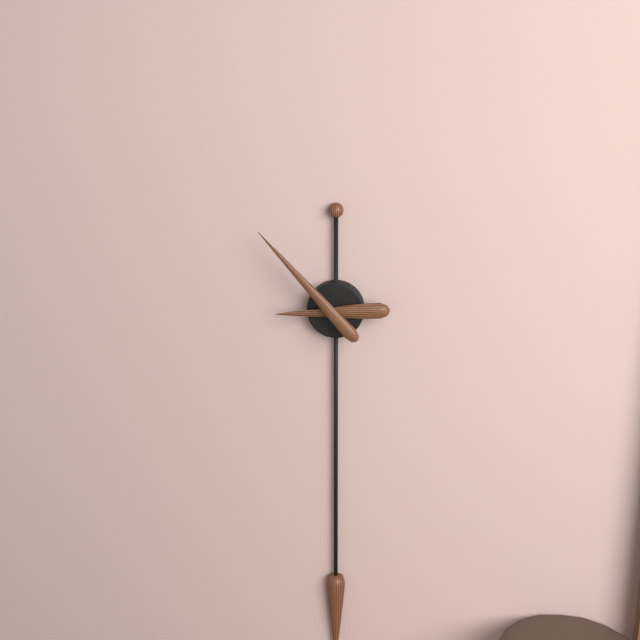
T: 8:53
